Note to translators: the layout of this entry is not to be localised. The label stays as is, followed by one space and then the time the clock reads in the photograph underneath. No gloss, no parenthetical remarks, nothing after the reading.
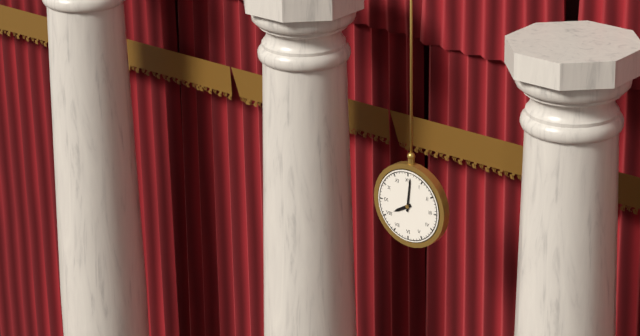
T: 8:01
